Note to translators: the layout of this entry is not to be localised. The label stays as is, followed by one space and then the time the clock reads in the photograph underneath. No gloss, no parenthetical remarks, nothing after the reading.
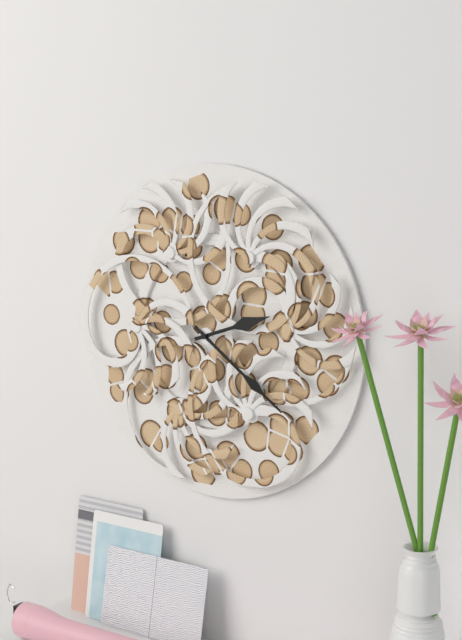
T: 2:21
